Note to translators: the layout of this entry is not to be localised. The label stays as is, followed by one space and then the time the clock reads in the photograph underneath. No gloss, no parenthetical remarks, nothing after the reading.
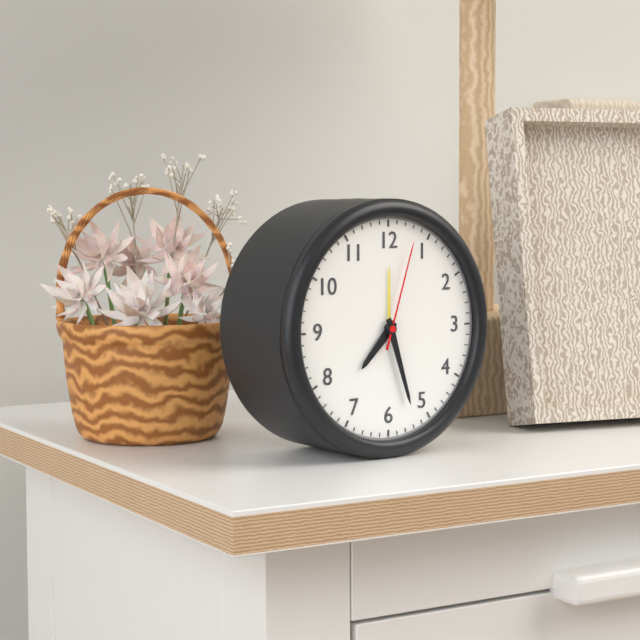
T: 7:27:03
